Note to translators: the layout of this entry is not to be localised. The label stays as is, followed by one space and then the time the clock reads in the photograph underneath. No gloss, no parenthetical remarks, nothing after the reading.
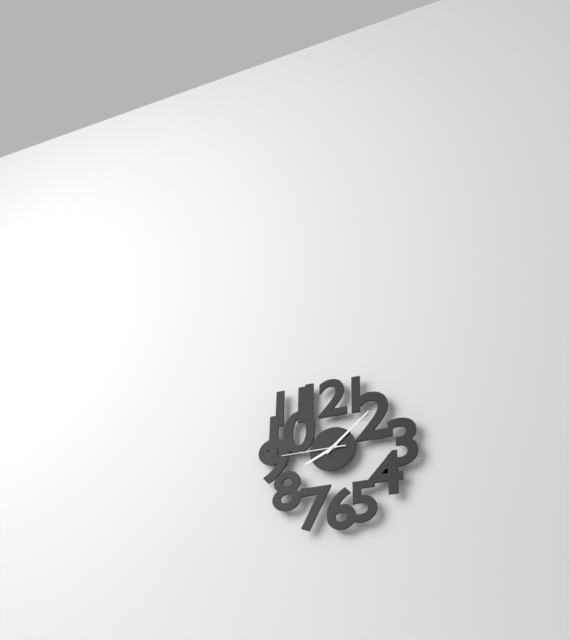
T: 8:08:45
